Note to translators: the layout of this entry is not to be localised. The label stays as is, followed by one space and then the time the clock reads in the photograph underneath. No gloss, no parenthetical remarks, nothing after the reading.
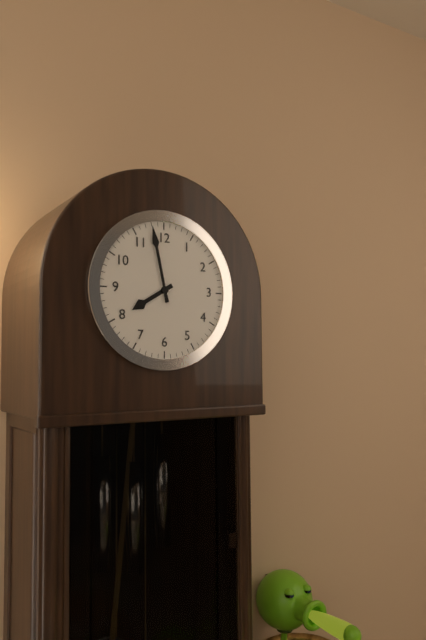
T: 7:58
